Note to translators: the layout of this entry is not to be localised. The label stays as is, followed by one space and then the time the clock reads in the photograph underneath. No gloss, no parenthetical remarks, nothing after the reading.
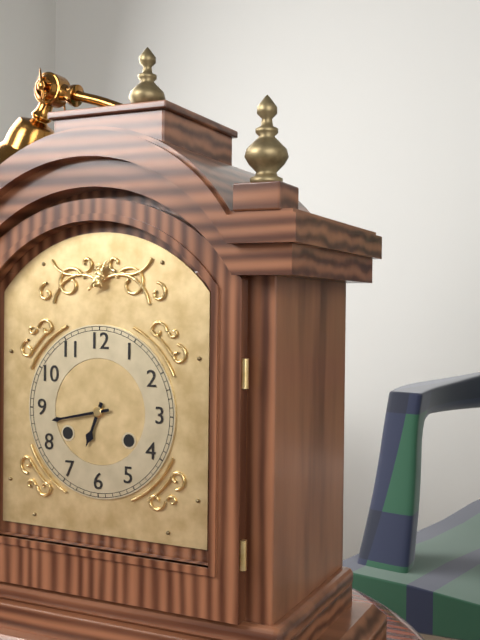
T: 6:43
